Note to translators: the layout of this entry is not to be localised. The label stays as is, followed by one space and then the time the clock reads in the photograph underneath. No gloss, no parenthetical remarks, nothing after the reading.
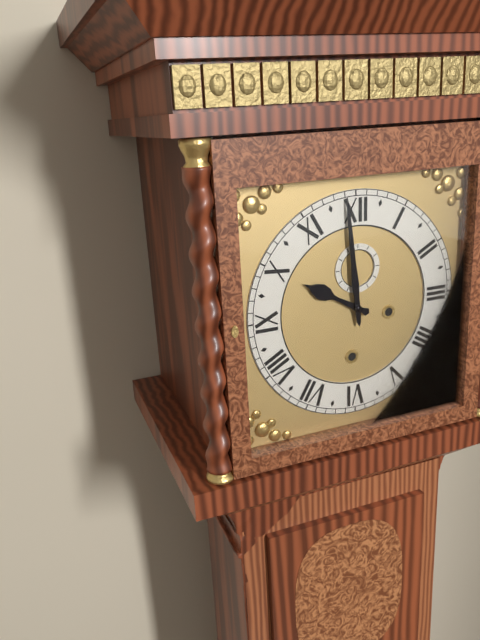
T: 9:59
